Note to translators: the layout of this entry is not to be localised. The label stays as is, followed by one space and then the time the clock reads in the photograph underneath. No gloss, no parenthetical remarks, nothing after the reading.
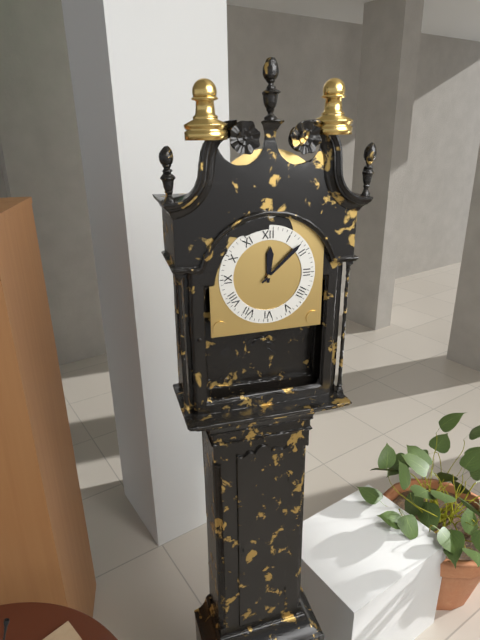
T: 12:08
